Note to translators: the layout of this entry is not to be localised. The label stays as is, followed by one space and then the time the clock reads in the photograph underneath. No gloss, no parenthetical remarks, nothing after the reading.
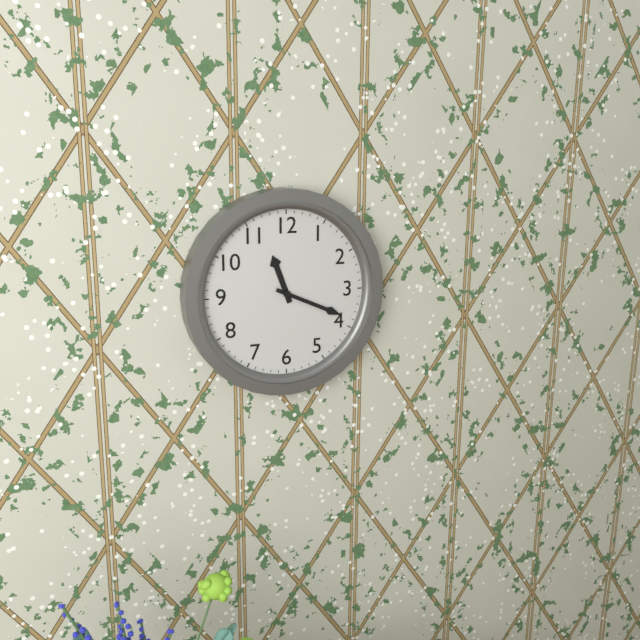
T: 11:19
